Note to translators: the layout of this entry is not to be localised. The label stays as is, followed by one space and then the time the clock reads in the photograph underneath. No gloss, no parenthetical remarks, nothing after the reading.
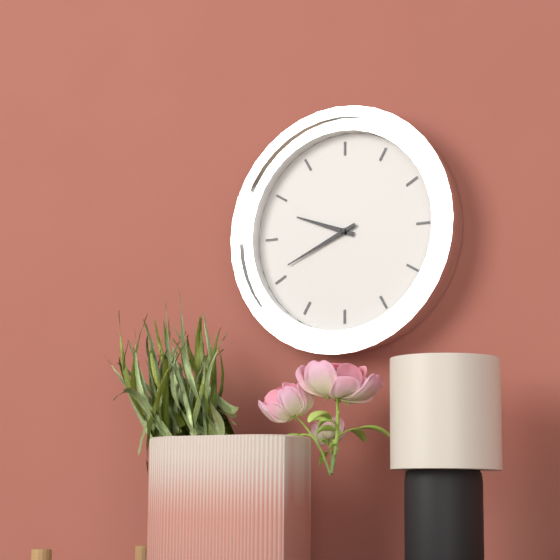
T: 9:41
